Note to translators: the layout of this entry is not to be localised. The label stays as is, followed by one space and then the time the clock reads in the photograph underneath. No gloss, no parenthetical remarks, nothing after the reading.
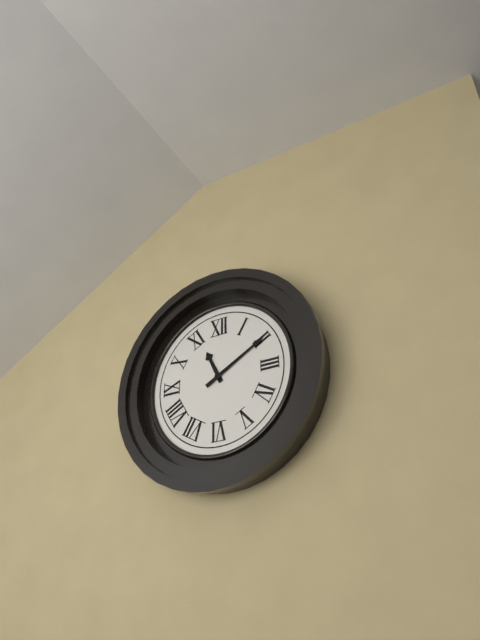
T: 11:10
